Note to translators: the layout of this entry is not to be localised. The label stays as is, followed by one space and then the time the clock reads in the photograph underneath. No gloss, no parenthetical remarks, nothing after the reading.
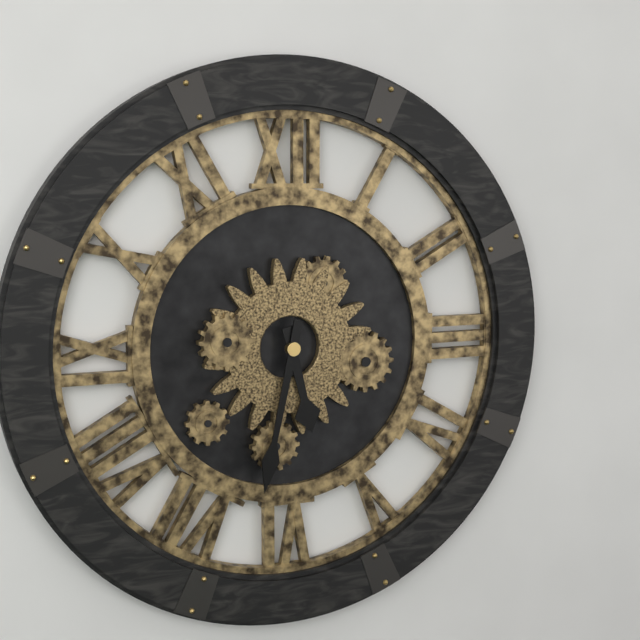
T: 5:32
